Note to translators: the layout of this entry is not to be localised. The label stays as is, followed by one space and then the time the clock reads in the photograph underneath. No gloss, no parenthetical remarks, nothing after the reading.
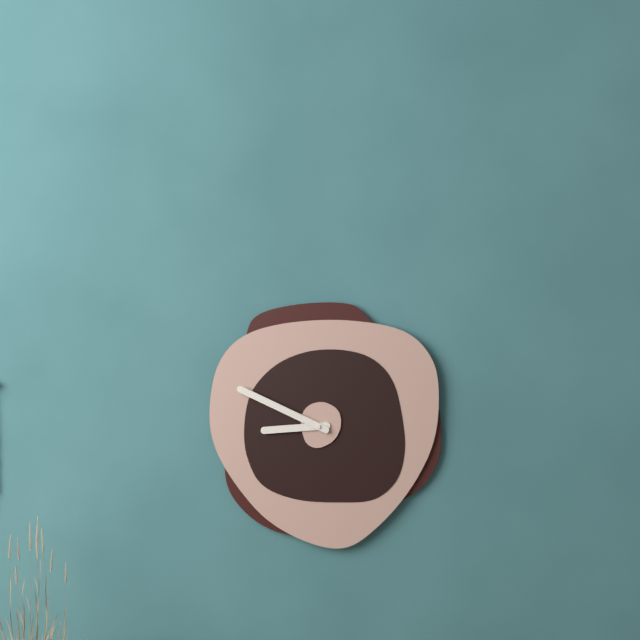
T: 8:49
